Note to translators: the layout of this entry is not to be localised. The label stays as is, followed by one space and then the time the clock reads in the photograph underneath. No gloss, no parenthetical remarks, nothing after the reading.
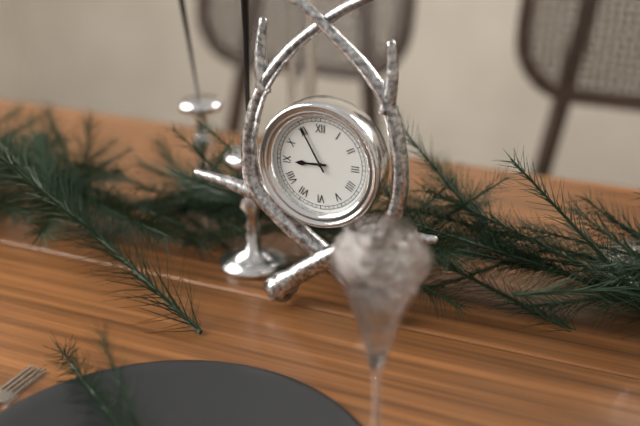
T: 8:55
